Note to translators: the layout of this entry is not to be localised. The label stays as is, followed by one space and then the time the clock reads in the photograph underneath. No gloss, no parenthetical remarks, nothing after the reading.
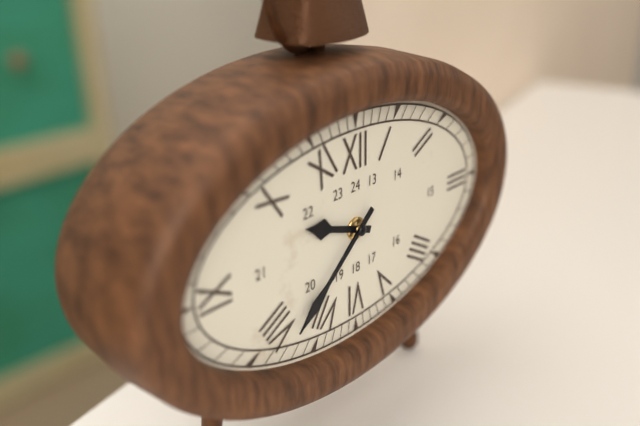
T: 9:38
